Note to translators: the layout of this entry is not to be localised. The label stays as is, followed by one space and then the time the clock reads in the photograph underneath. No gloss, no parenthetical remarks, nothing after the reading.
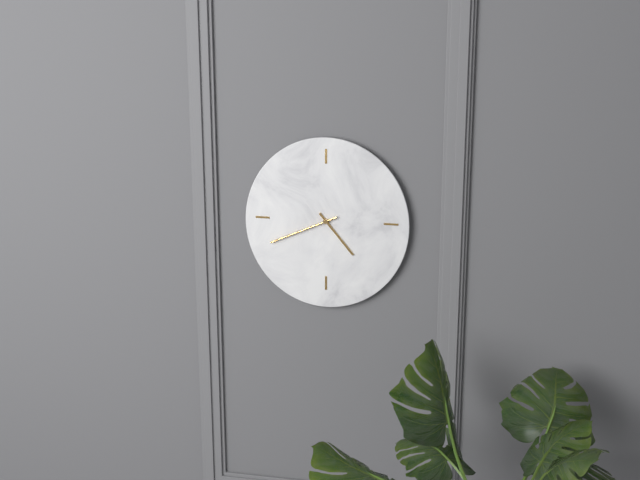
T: 4:41
